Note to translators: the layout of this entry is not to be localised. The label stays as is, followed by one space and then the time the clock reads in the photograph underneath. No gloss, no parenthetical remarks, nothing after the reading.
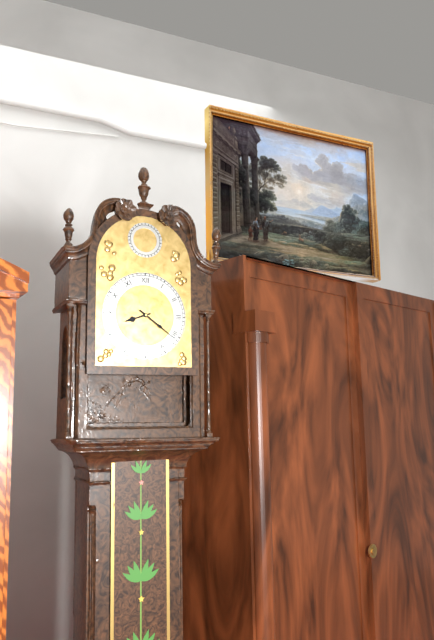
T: 8:21
